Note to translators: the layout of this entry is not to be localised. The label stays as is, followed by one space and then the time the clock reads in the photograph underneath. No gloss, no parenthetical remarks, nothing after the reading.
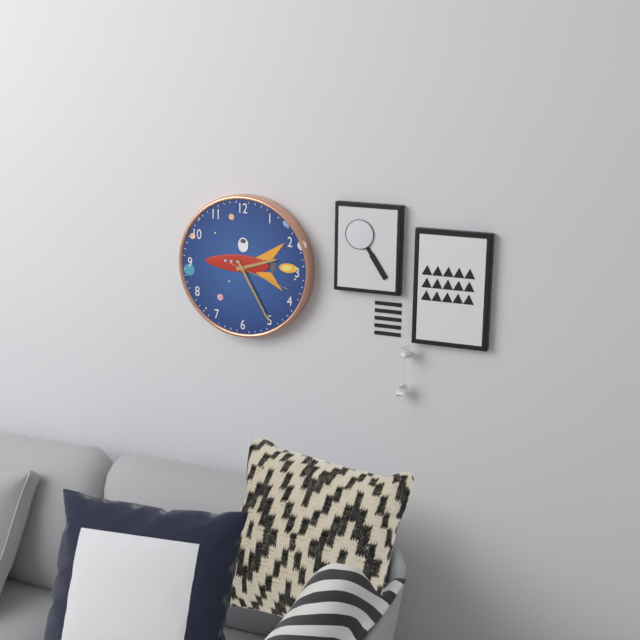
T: 2:25:18
